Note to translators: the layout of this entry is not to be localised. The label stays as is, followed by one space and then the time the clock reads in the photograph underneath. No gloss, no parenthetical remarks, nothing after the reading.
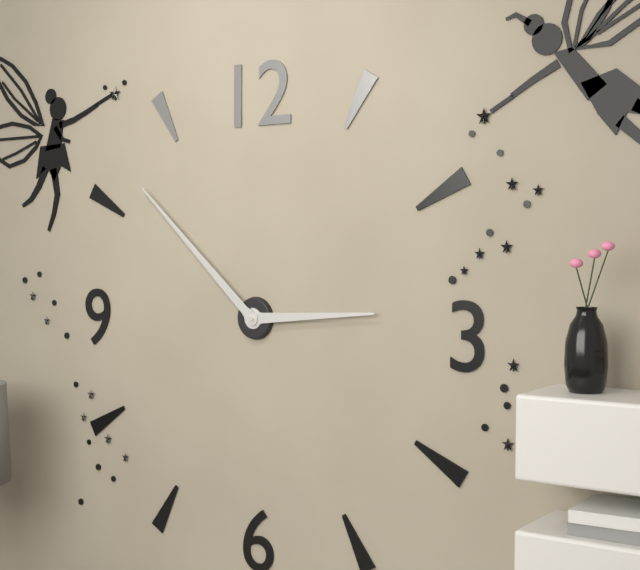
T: 2:52
